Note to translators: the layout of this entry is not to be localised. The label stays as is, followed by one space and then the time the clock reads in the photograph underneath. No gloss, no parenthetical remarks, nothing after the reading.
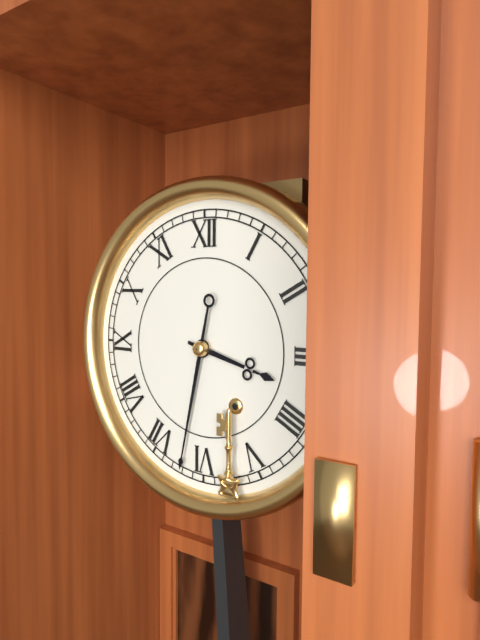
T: 3:32
